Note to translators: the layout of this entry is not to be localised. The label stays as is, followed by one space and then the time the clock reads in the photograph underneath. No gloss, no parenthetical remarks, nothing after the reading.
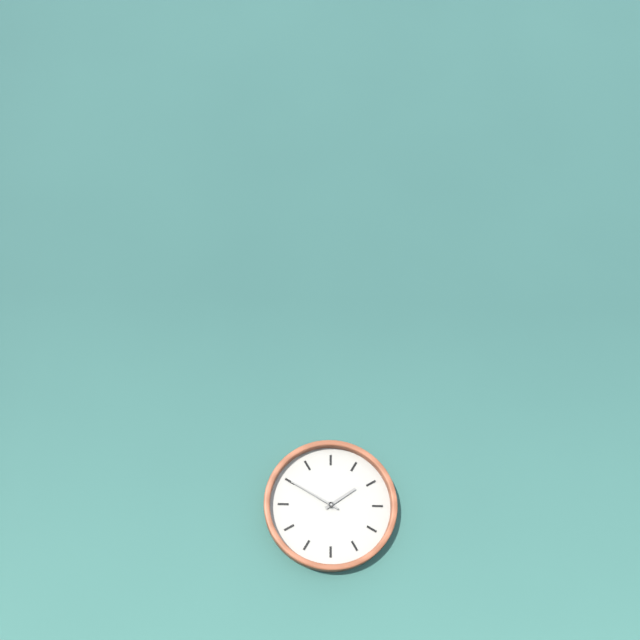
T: 1:50
